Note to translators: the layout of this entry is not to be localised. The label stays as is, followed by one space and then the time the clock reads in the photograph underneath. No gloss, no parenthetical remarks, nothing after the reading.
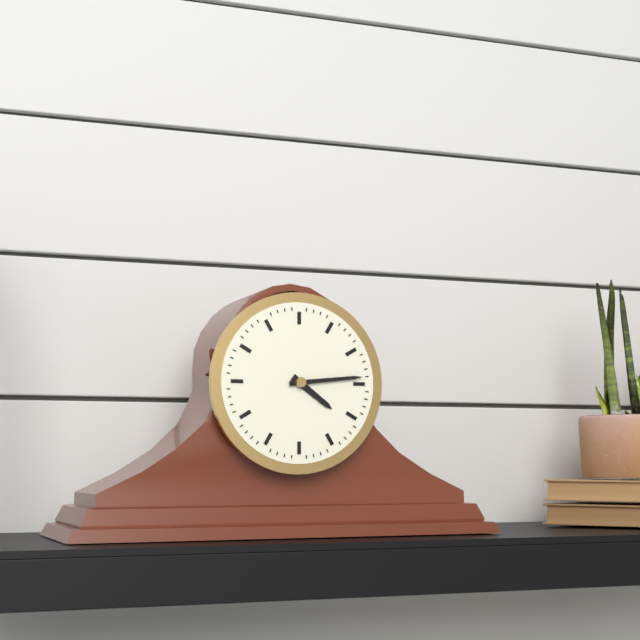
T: 4:14
